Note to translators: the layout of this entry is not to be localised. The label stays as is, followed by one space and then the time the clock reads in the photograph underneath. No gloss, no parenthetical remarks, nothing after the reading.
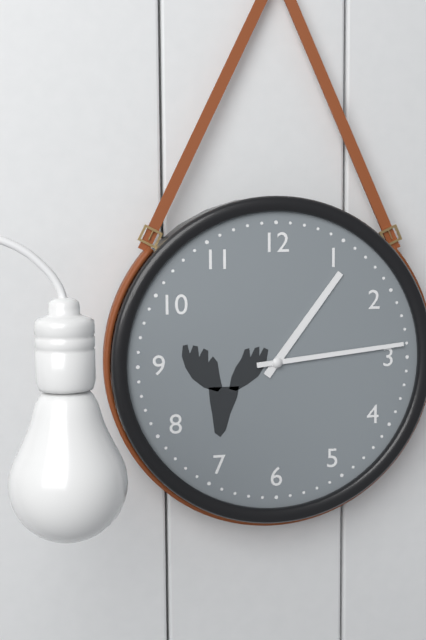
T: 1:14
